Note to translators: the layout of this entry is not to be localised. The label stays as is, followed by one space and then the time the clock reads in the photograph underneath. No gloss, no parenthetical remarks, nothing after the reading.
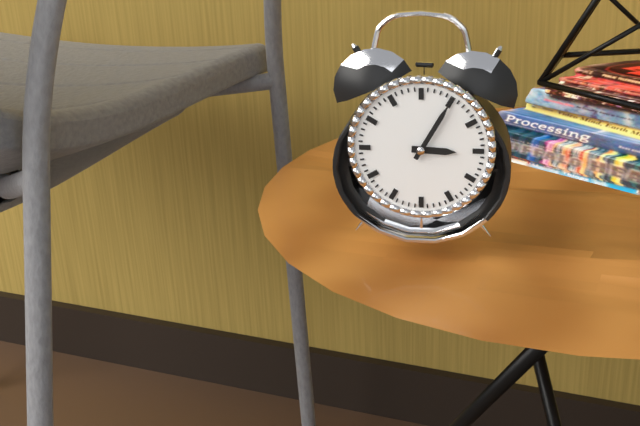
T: 3:05
